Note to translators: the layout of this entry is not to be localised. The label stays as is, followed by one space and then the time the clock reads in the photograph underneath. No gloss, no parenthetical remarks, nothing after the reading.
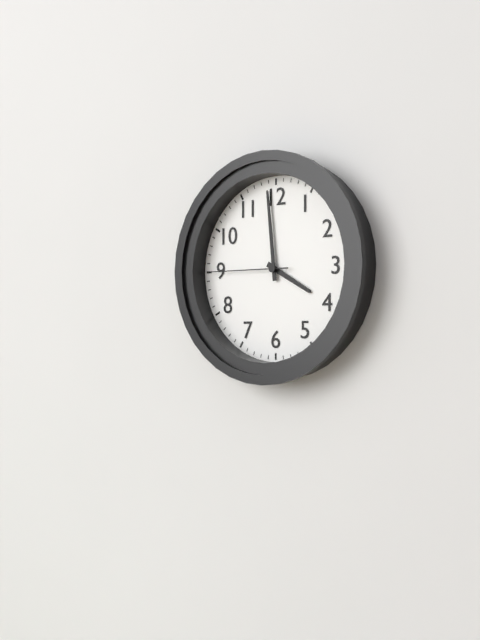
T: 3:59:45
